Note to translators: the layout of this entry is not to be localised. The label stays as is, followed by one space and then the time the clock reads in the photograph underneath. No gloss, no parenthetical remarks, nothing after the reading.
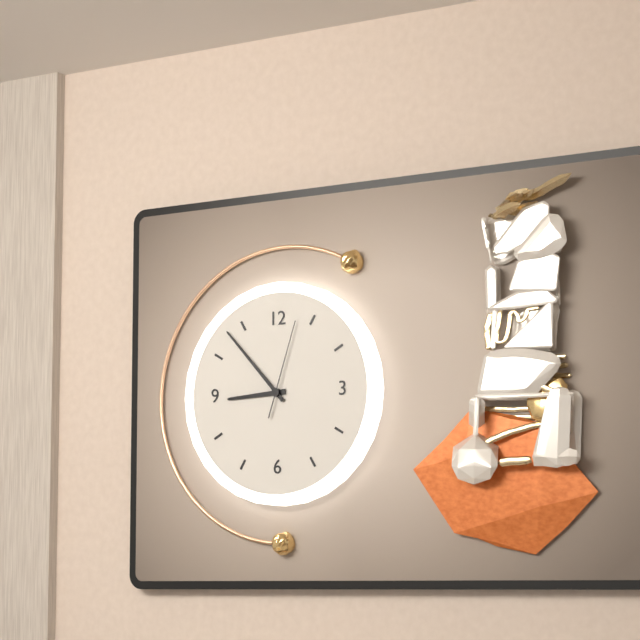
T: 8:53:03
